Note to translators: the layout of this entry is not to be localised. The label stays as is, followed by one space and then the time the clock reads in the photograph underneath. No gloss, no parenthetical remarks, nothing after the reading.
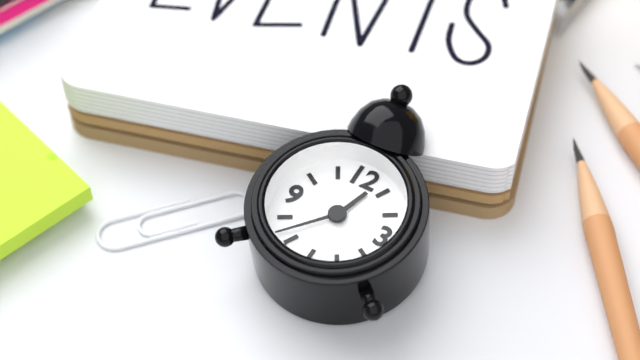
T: 12:37
